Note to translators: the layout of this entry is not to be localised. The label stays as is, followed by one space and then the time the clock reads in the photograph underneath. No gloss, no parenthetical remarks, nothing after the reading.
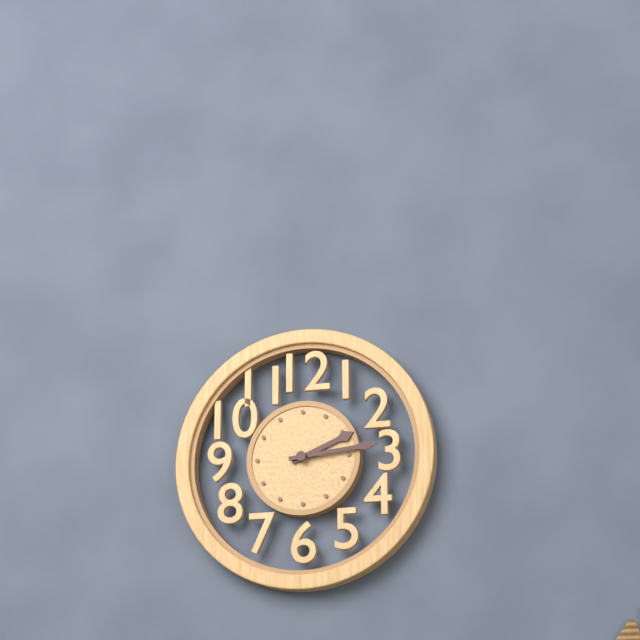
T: 2:14
